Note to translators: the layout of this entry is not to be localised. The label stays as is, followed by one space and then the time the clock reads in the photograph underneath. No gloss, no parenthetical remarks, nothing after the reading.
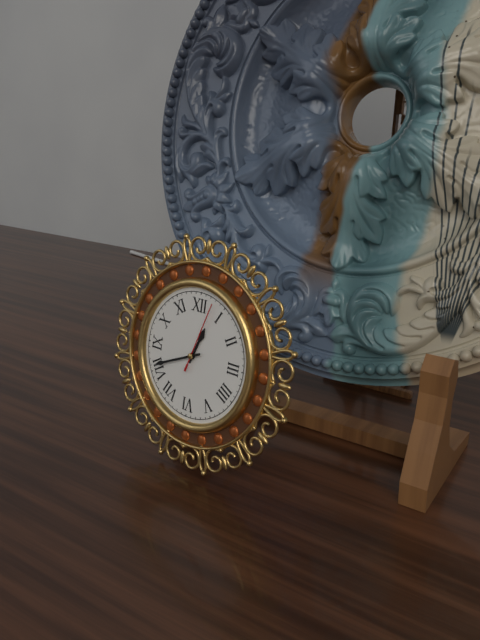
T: 12:41:03
